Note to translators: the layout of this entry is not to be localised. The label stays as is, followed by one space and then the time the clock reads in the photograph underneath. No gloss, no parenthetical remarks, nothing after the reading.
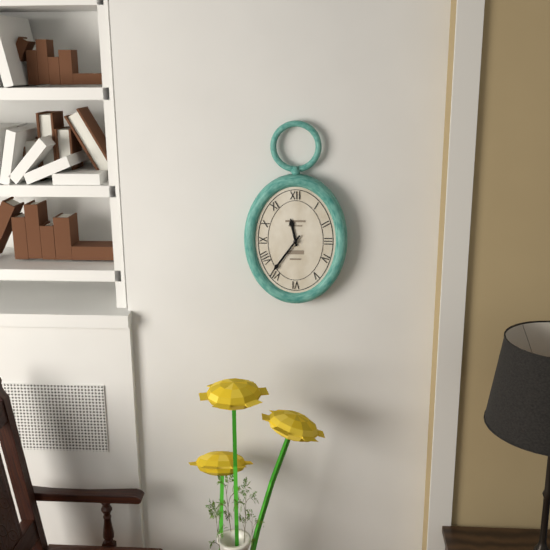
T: 11:36
